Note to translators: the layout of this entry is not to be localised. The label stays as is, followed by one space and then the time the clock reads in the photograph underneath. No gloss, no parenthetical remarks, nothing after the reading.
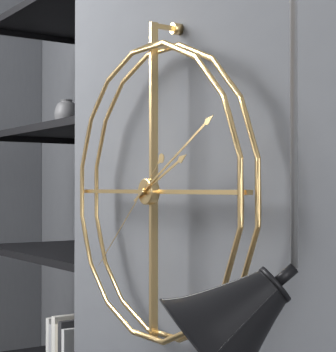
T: 2:10:38
